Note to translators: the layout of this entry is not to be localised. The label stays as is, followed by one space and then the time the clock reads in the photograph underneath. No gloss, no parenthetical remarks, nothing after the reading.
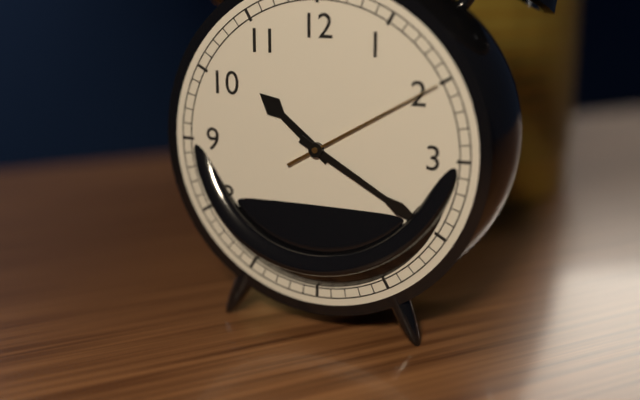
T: 10:20:10
